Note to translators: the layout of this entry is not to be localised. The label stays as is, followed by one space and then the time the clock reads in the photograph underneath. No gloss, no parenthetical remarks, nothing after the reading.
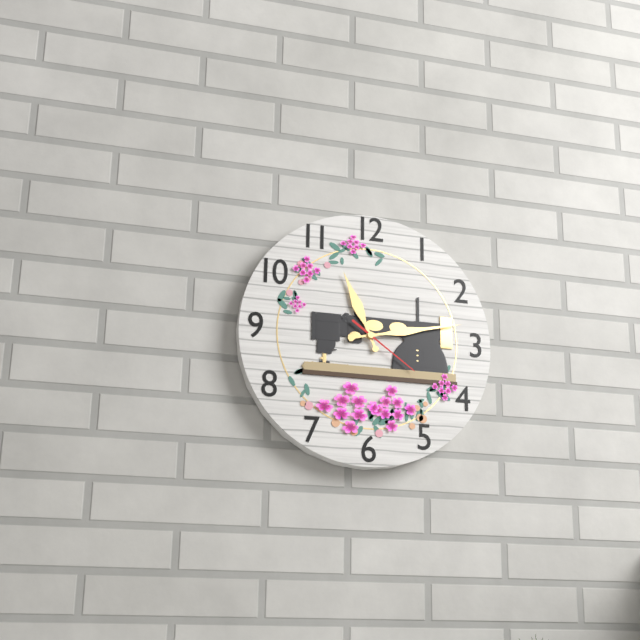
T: 11:13:21
